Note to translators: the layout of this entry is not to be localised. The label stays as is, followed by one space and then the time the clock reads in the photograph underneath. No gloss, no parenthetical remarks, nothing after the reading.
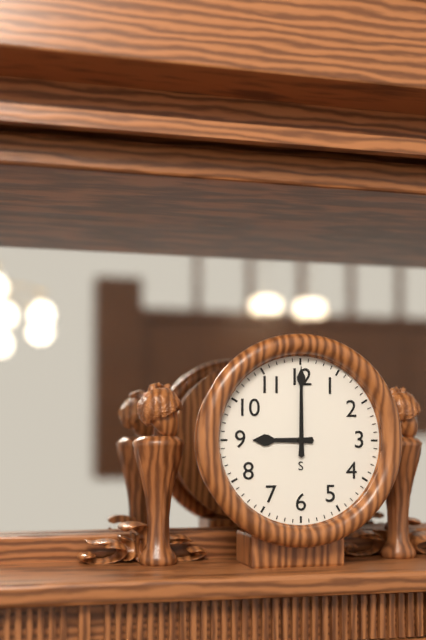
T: 9:00
